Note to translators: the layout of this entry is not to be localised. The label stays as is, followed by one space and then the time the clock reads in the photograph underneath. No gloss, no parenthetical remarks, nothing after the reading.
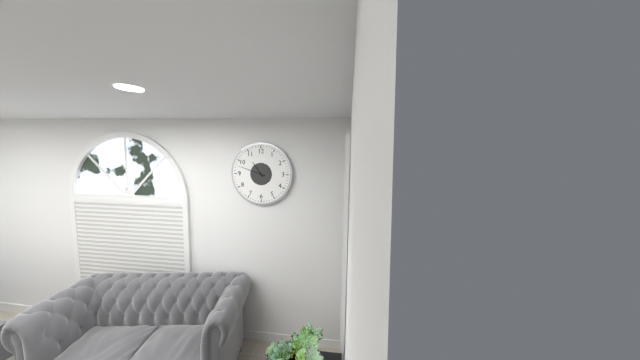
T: 10:48
